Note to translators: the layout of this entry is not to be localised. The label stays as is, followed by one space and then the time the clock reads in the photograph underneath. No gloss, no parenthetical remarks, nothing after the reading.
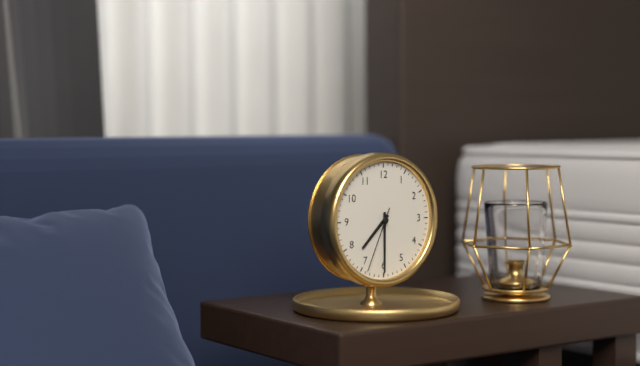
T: 7:30:34
